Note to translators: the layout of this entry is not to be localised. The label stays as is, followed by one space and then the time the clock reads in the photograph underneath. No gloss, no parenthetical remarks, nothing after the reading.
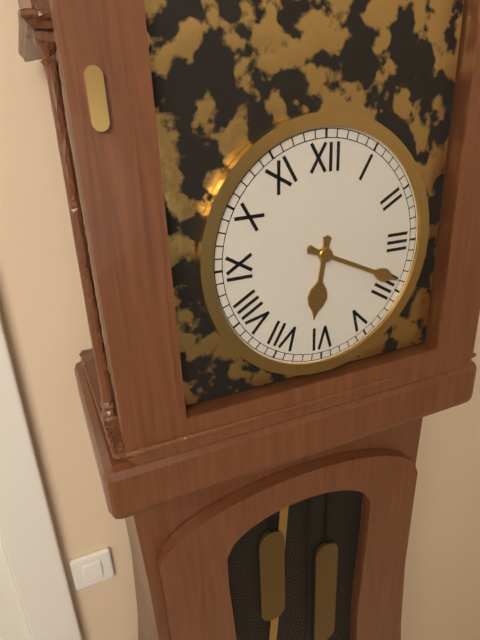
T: 6:19
